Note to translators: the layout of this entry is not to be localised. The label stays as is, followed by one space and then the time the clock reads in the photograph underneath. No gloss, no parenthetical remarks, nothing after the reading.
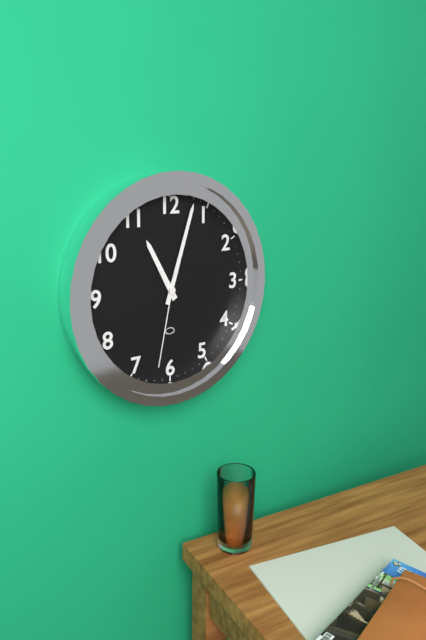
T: 11:03:32
